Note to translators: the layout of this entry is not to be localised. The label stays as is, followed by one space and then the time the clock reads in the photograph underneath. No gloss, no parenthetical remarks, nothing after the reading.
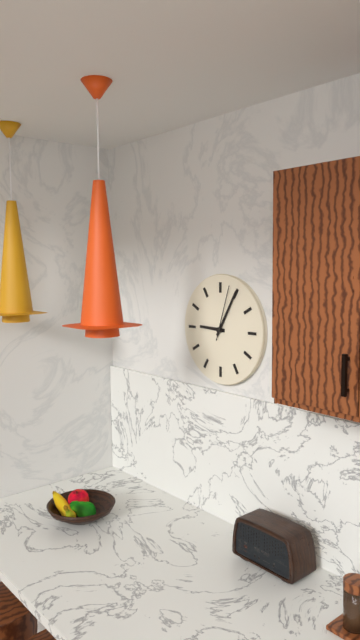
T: 9:05:03
